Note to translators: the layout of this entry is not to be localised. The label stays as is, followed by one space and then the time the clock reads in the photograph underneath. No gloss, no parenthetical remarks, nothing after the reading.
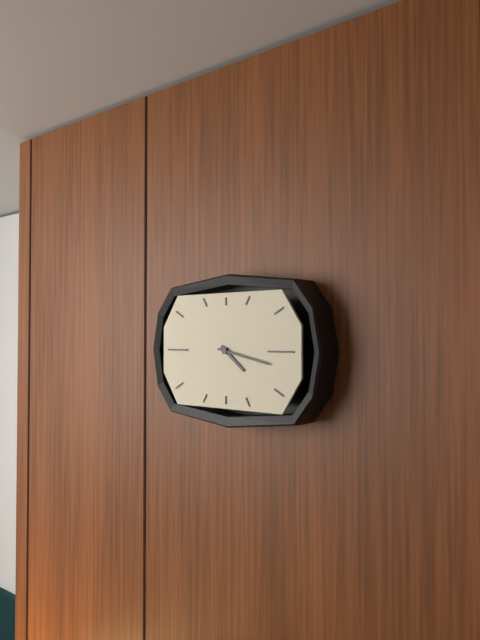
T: 4:17
